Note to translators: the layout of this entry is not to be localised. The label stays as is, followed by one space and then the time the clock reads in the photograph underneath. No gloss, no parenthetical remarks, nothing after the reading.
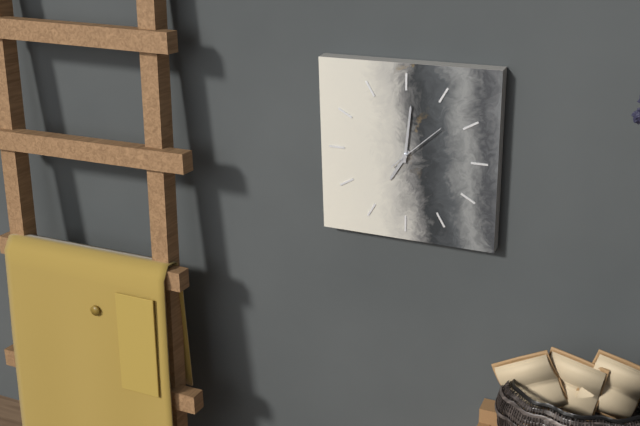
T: 7:01:08
